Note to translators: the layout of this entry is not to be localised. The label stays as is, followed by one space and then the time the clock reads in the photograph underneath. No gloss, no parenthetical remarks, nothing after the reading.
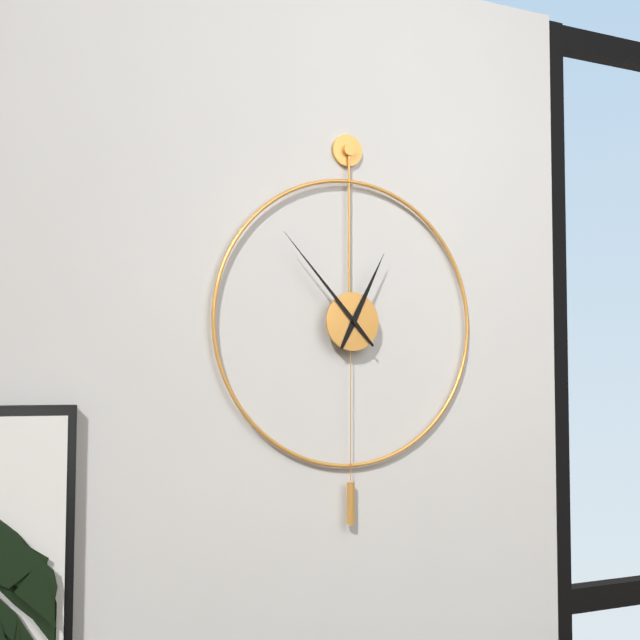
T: 12:53
